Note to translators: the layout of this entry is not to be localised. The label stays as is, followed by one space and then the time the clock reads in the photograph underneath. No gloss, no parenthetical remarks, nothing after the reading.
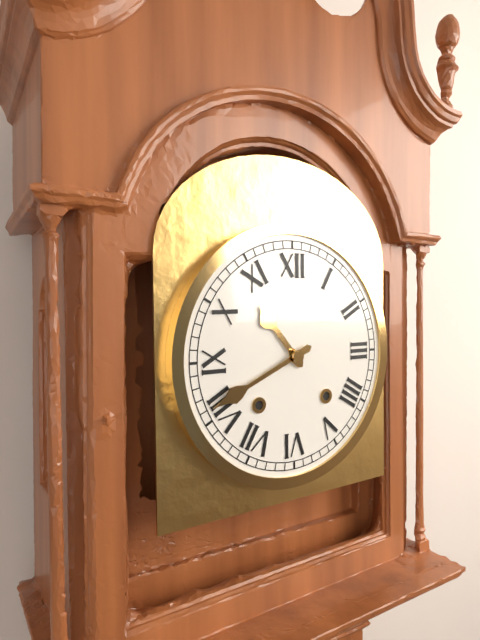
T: 10:41
